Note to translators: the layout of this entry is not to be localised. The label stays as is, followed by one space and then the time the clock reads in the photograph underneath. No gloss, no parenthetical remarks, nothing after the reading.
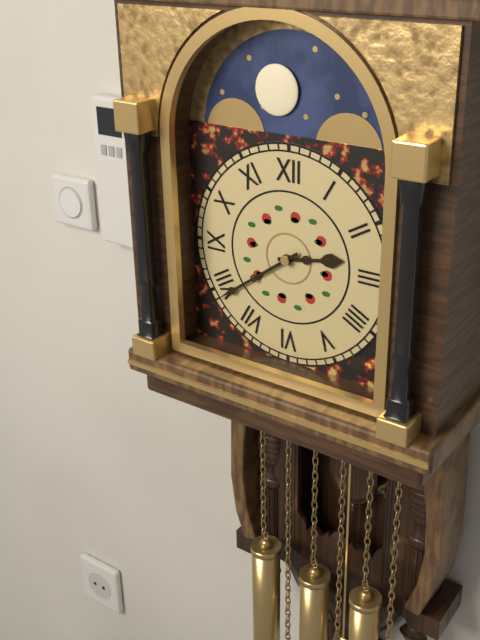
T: 2:39
